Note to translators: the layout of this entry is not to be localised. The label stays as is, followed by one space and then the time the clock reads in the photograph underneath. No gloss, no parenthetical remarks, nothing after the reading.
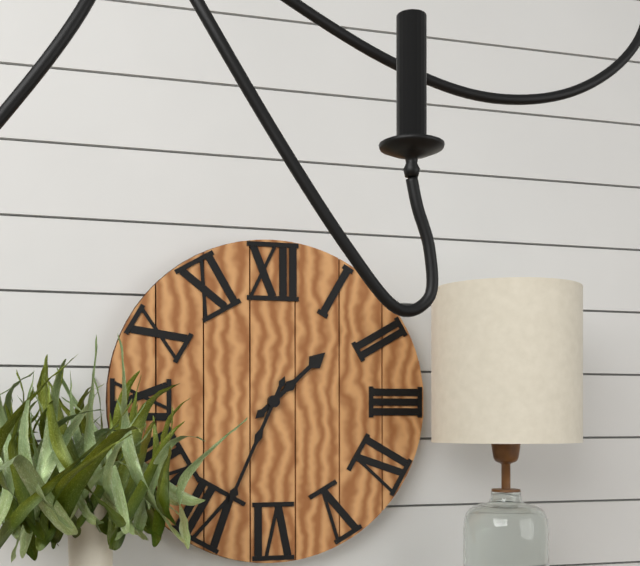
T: 1:34
